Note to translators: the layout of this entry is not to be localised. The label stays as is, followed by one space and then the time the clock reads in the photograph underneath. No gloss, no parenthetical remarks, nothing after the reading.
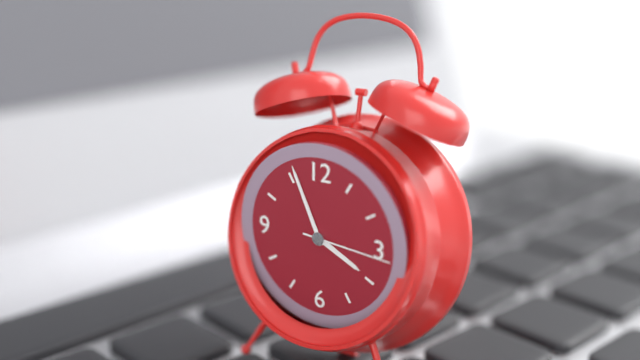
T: 3:56:16
